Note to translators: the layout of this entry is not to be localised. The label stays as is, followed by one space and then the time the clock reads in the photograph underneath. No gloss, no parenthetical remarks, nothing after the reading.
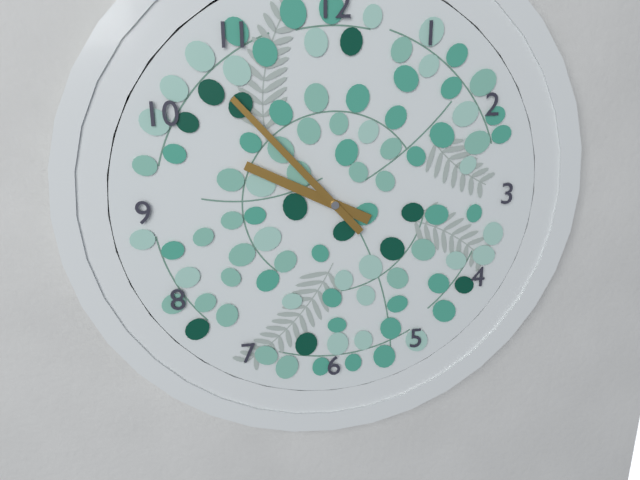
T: 9:53
